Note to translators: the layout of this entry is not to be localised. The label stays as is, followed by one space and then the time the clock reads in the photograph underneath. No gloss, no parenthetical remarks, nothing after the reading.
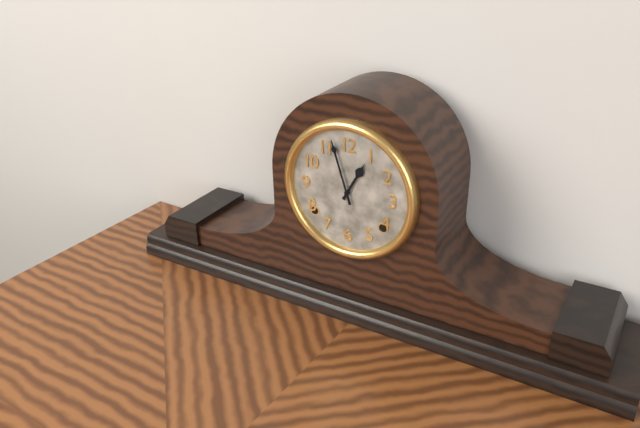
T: 12:57
